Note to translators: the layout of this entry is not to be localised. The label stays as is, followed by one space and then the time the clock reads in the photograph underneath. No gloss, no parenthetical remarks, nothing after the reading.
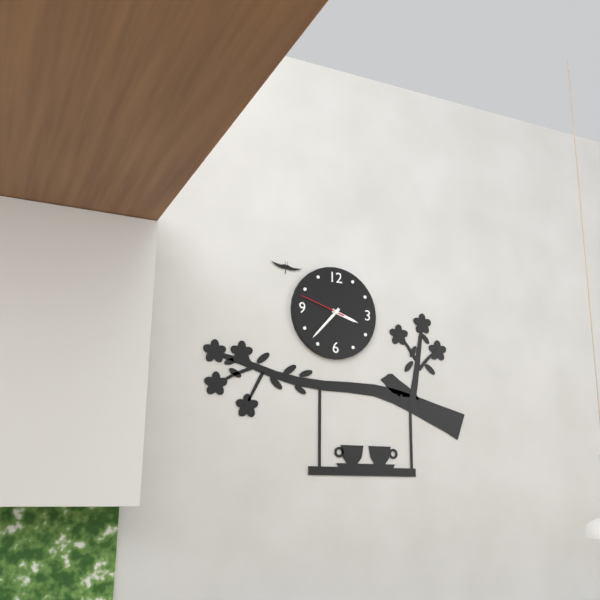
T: 3:37
